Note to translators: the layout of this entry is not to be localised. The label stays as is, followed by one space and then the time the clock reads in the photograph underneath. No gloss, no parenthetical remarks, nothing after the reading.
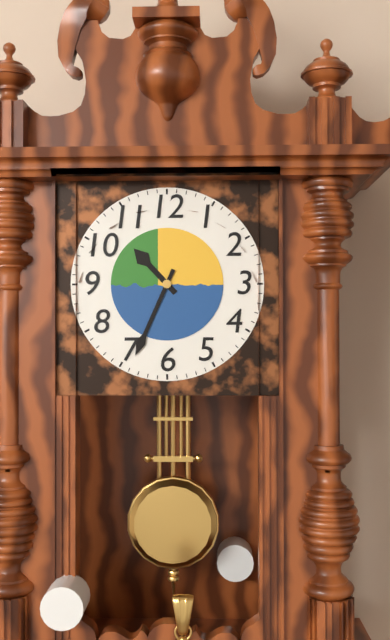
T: 10:34
